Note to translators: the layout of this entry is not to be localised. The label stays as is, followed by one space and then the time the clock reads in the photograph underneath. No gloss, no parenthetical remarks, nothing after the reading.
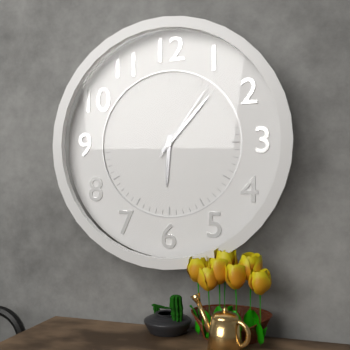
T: 6:07:06
